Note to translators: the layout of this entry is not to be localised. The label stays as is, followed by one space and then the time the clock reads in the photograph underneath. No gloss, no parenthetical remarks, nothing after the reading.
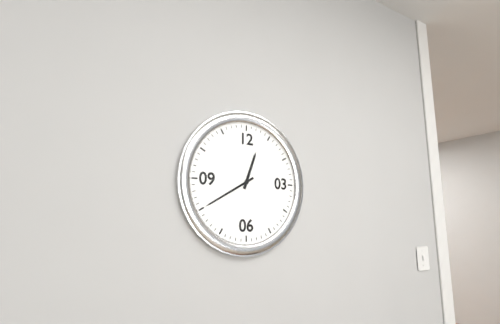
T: 12:40
